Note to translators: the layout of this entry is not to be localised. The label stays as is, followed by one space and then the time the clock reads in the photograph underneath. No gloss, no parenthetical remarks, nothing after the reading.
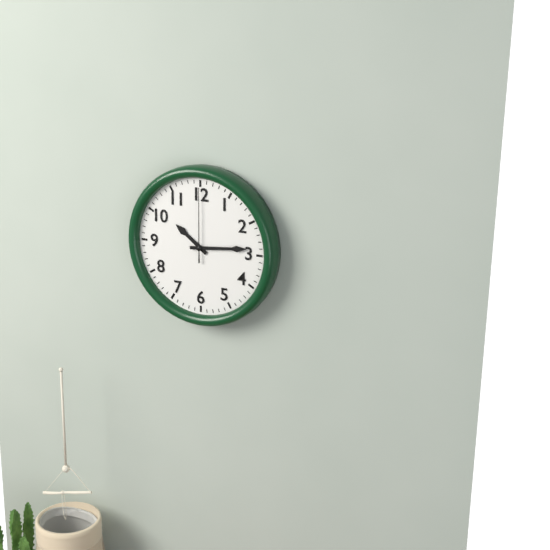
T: 10:14:00
